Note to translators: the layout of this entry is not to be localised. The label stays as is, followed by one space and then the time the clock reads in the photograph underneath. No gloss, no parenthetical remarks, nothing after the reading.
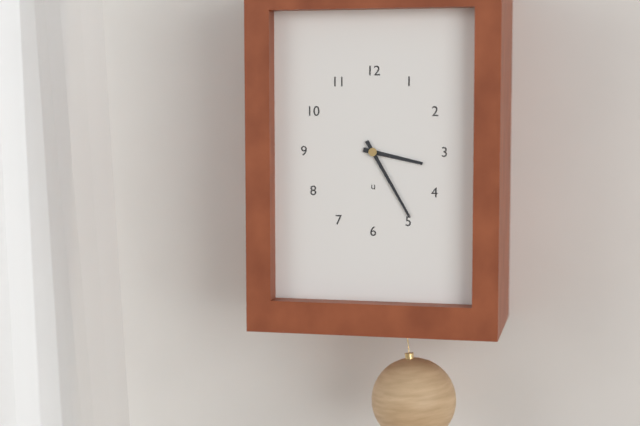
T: 3:25
